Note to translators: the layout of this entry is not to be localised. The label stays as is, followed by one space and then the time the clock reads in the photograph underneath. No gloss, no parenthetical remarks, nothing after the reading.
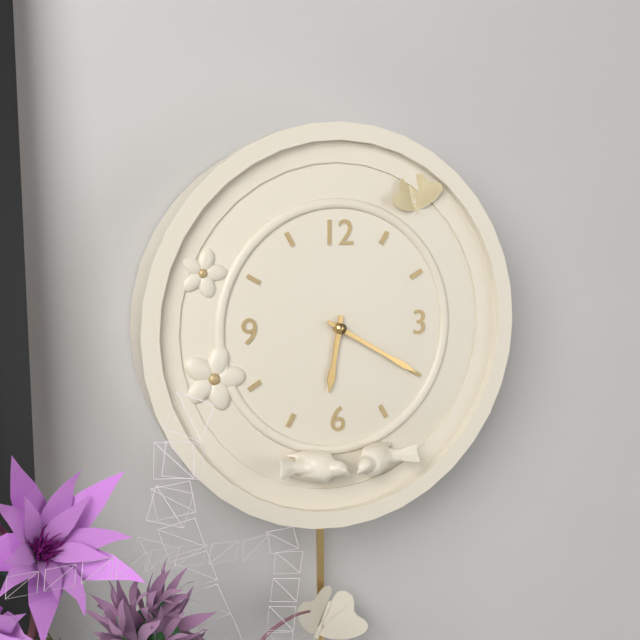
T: 6:20
